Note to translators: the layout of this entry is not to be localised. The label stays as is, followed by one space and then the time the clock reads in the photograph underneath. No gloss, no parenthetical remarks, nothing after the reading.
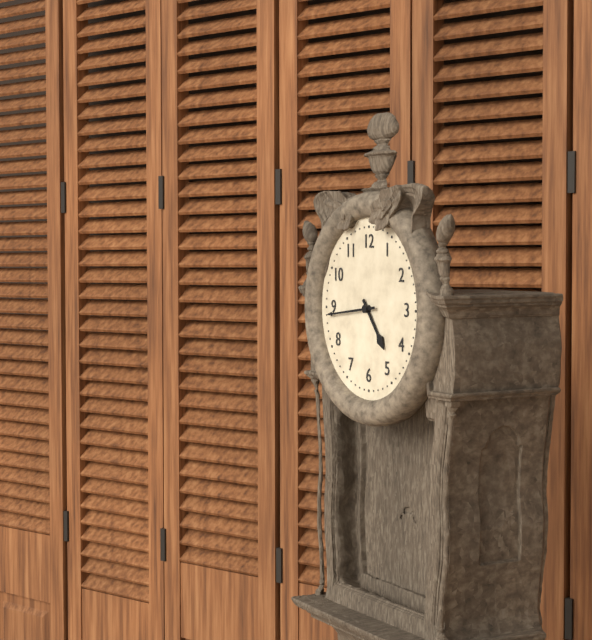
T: 4:44
